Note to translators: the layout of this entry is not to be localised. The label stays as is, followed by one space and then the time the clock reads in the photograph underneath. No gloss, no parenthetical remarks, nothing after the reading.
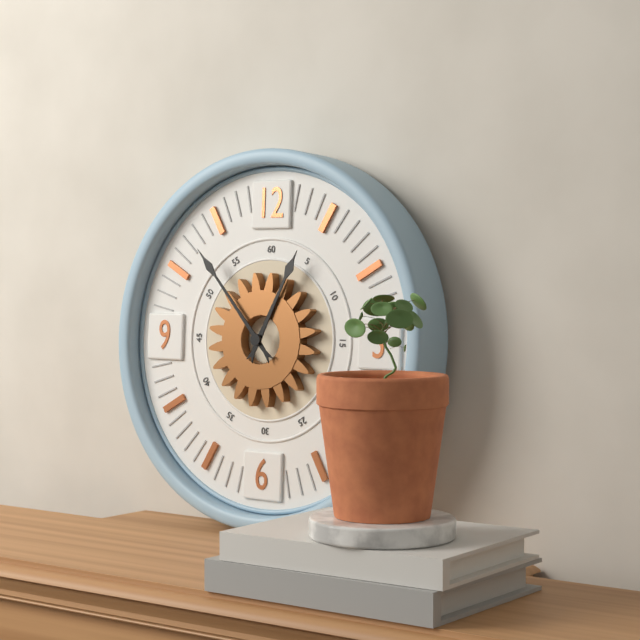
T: 12:53
